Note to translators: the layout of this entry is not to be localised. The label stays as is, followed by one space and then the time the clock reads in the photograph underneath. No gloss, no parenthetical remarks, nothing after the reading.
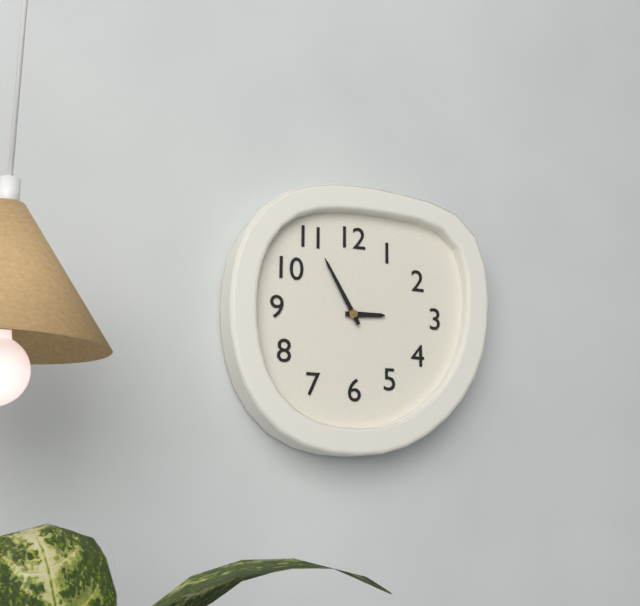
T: 2:55
